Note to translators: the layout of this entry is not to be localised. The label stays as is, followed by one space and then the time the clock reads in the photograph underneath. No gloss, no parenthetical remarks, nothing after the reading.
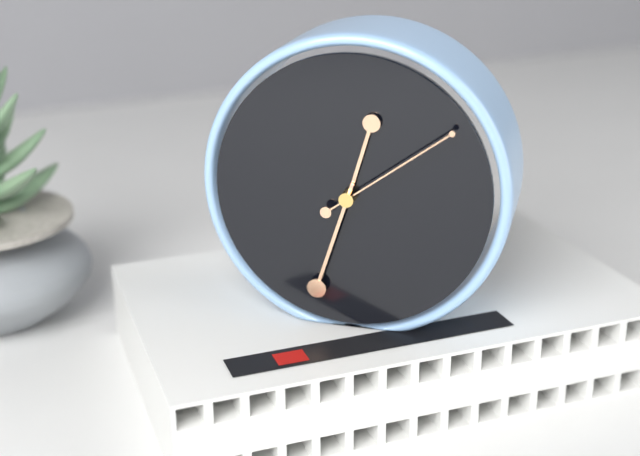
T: 12:33:09
